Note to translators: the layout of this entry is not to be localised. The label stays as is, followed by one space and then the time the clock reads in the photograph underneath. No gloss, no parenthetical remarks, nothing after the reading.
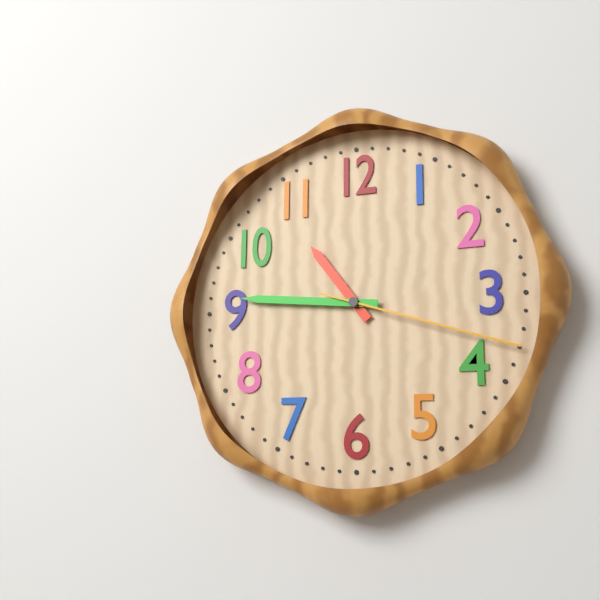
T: 10:46:18
